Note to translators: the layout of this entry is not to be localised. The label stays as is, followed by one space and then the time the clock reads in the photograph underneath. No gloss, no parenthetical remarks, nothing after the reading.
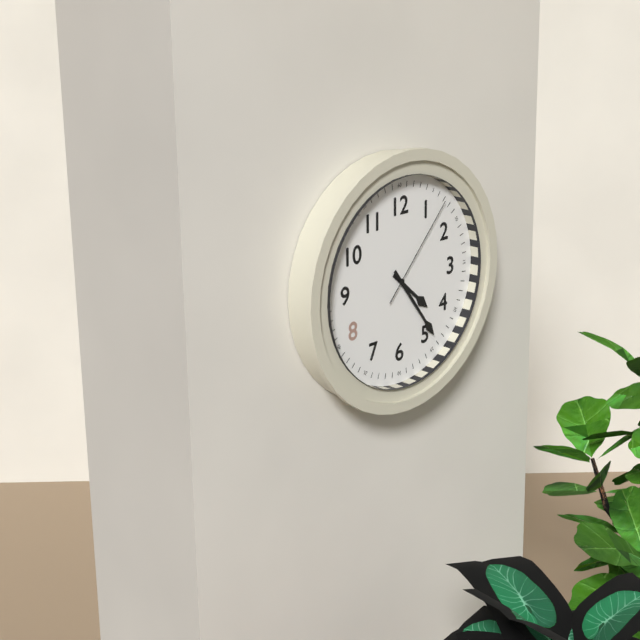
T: 4:24:07
